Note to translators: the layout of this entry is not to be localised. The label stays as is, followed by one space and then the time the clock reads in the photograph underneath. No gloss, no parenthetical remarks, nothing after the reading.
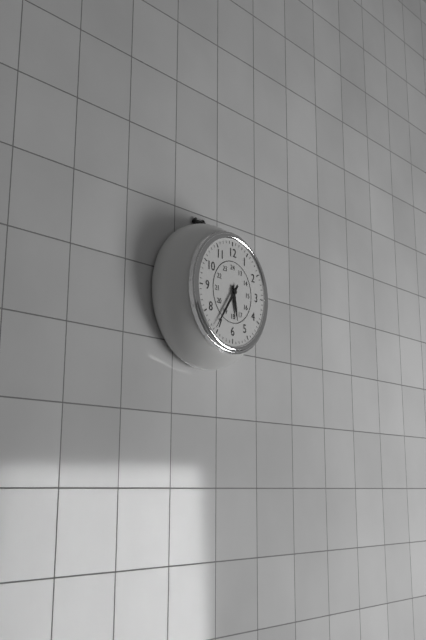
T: 5:36
